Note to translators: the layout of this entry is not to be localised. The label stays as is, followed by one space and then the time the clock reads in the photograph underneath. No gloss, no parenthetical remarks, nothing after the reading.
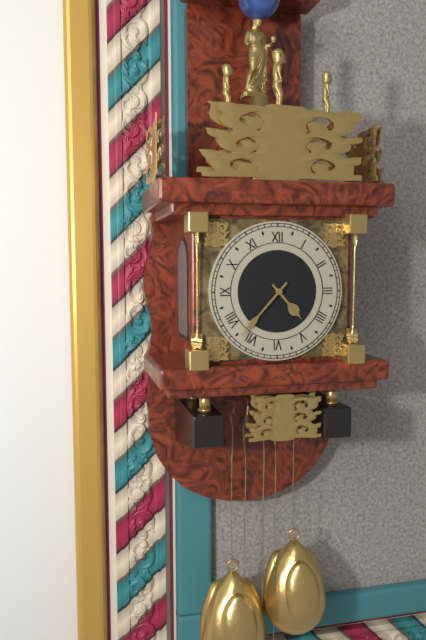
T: 4:37
